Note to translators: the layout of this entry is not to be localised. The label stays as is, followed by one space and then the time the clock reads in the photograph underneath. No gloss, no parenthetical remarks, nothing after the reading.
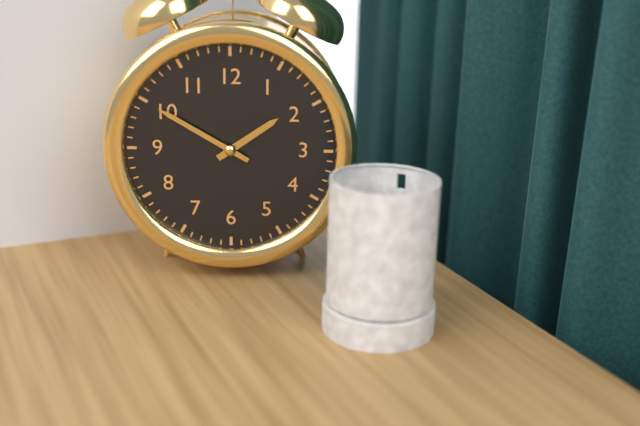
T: 1:50
